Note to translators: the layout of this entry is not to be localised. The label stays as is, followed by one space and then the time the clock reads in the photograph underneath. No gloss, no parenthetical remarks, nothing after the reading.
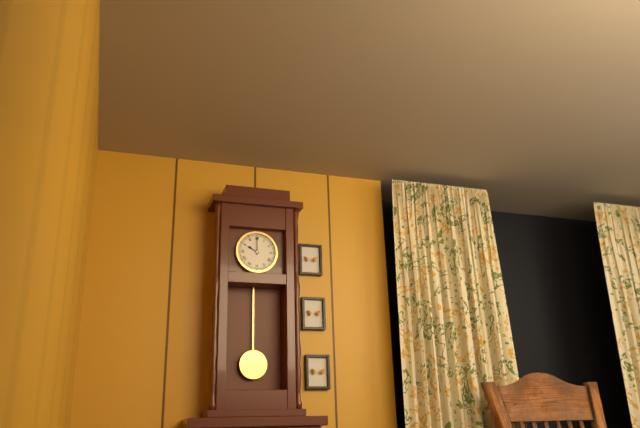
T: 10:00
